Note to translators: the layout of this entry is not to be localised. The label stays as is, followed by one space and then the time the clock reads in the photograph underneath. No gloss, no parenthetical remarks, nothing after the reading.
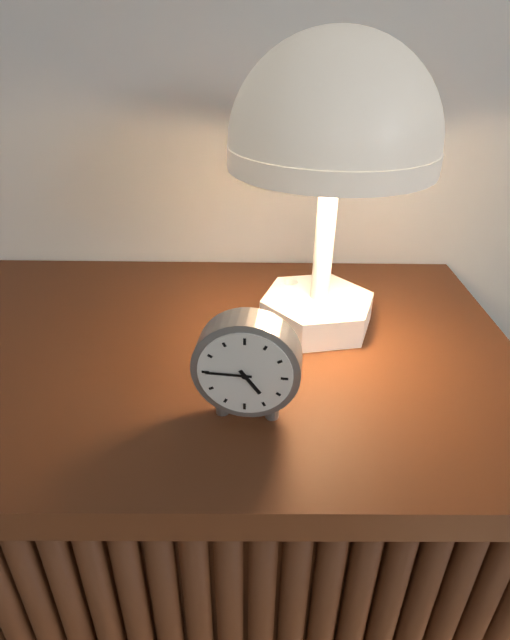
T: 4:45
